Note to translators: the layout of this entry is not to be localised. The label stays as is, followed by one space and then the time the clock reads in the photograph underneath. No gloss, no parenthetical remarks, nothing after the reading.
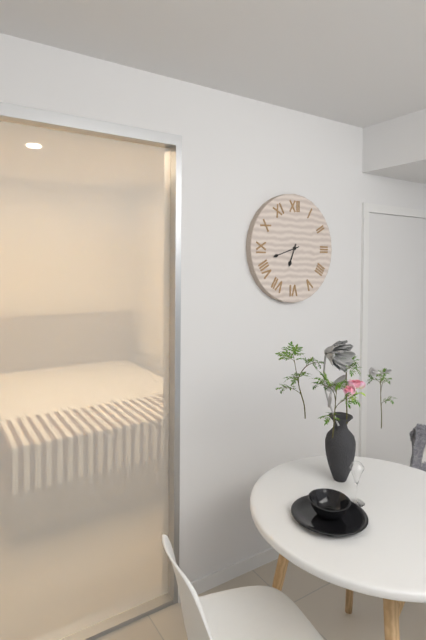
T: 6:42
